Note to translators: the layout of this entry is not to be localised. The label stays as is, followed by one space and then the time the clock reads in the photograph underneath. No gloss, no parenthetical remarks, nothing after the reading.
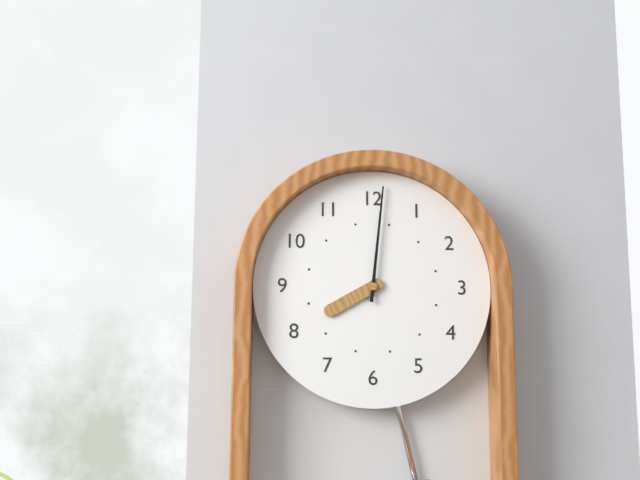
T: 8:01
